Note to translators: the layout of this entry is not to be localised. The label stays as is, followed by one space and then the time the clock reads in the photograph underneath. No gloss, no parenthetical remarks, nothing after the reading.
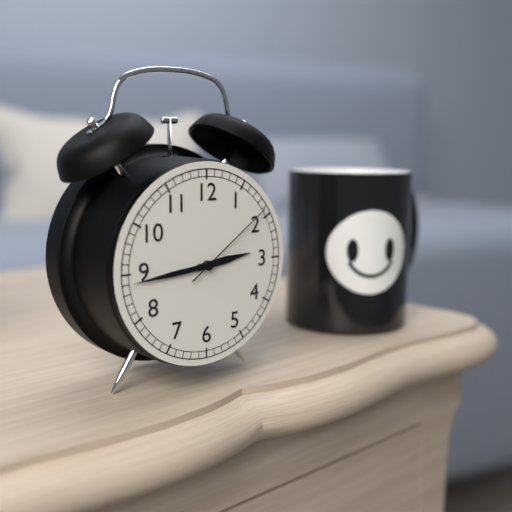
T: 2:44:09
